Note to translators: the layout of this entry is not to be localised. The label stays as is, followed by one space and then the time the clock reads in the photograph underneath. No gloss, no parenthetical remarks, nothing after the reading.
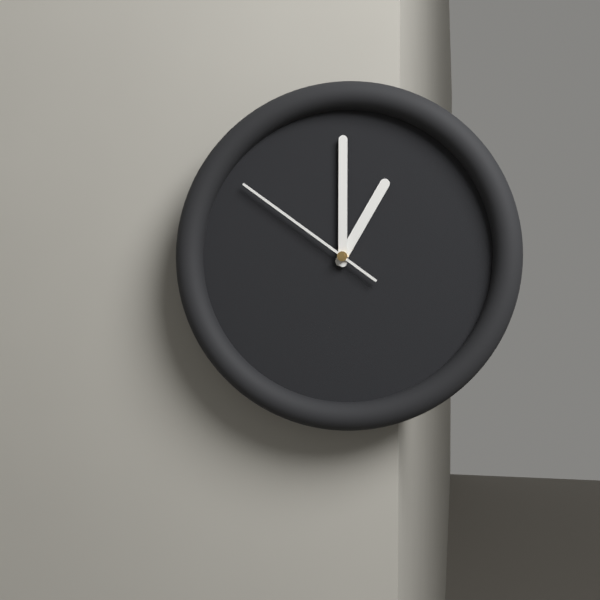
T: 1:00:51
